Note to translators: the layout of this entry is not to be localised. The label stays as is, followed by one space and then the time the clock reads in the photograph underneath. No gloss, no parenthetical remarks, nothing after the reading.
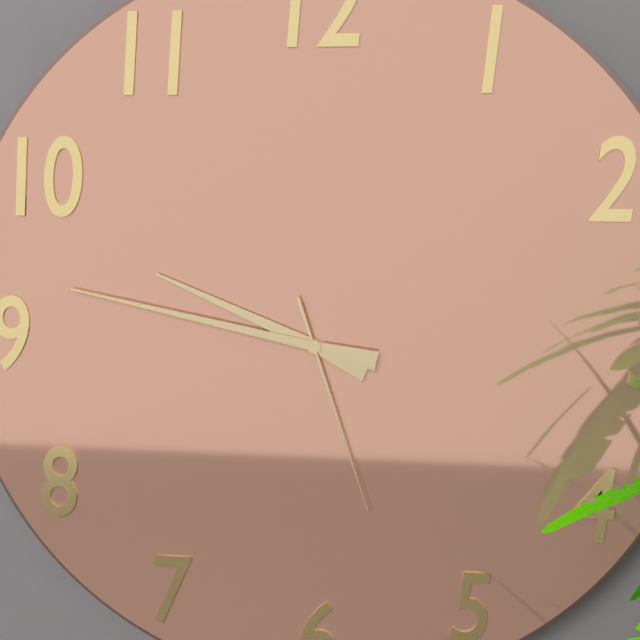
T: 9:47:27
